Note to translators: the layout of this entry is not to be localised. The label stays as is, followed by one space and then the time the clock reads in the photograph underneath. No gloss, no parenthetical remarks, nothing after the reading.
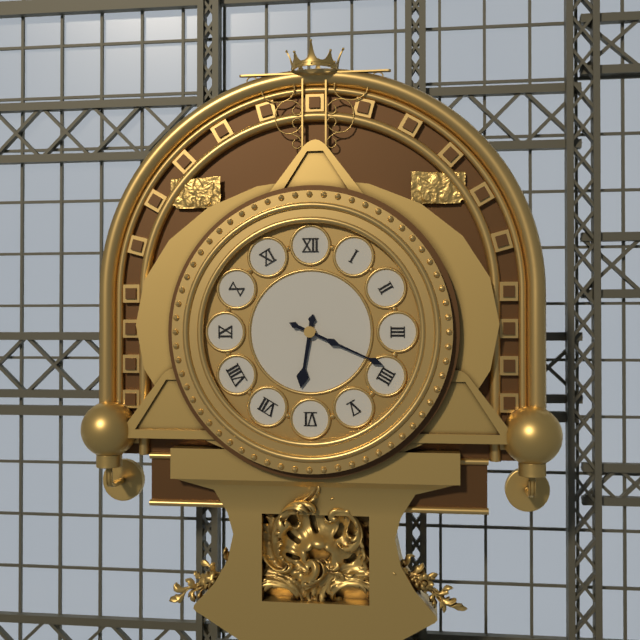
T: 6:19
